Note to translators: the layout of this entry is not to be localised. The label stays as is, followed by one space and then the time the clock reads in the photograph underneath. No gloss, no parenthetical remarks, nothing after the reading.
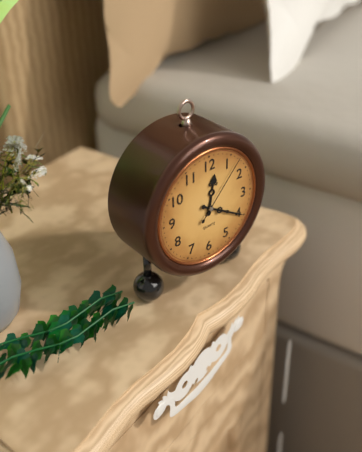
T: 12:20:07
